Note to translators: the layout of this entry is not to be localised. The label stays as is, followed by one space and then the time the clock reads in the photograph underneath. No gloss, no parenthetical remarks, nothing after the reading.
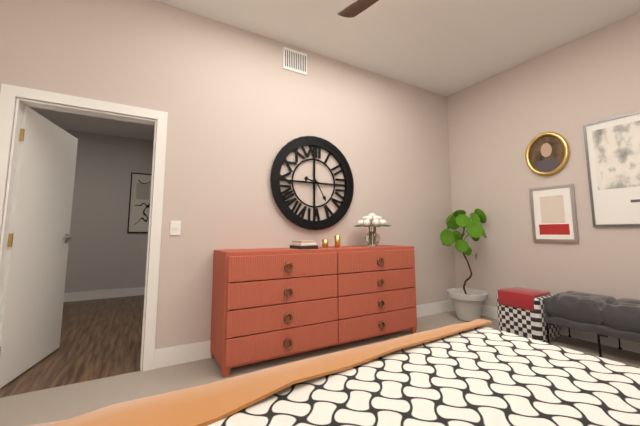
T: 9:25
